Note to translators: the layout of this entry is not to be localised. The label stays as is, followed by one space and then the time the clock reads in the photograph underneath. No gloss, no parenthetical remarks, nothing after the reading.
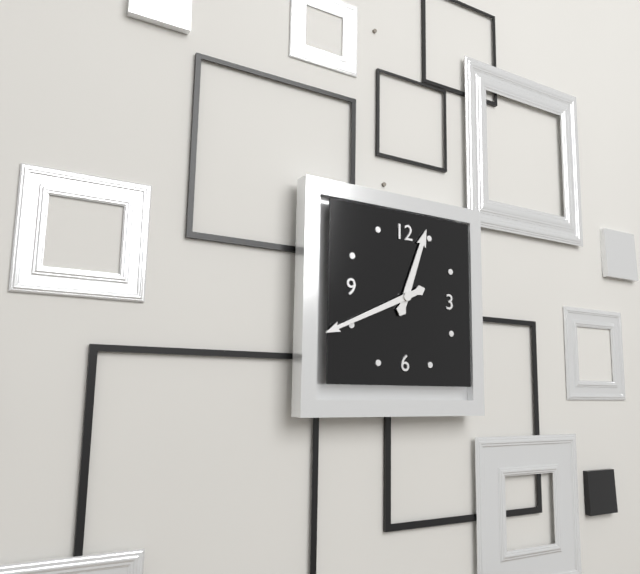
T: 12:41
